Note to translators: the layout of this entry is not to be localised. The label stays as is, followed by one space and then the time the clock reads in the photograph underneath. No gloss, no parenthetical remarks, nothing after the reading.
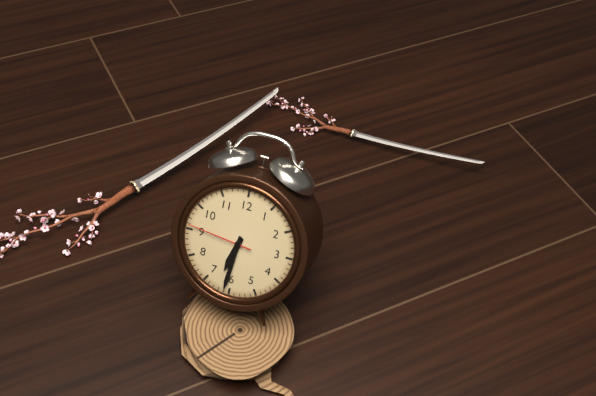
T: 6:31:46
